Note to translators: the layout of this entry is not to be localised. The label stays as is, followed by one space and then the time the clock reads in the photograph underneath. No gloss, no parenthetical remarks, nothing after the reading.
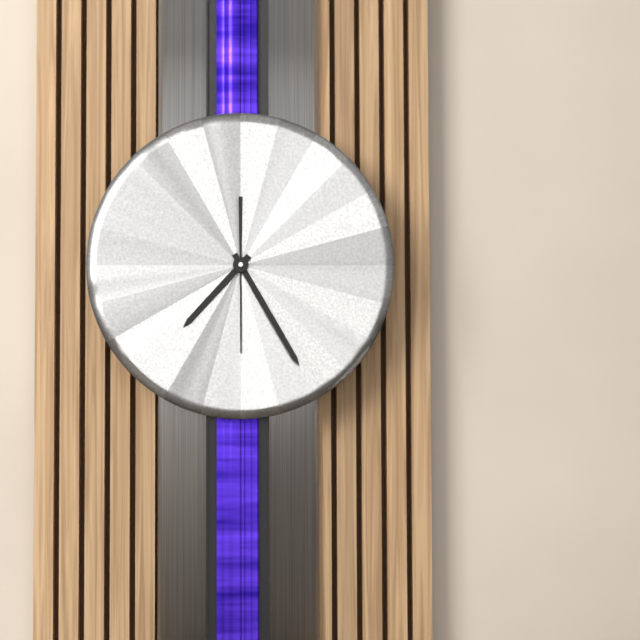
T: 7:25:30
